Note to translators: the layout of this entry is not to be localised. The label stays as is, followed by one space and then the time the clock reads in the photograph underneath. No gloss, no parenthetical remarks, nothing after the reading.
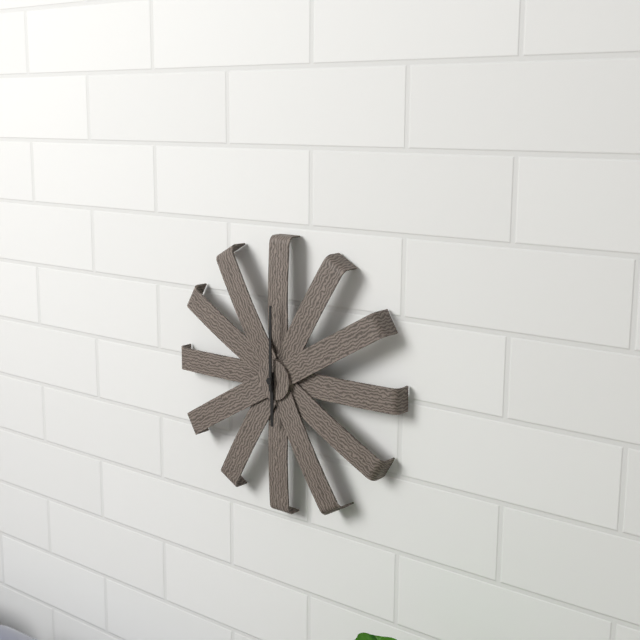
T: 6:00
